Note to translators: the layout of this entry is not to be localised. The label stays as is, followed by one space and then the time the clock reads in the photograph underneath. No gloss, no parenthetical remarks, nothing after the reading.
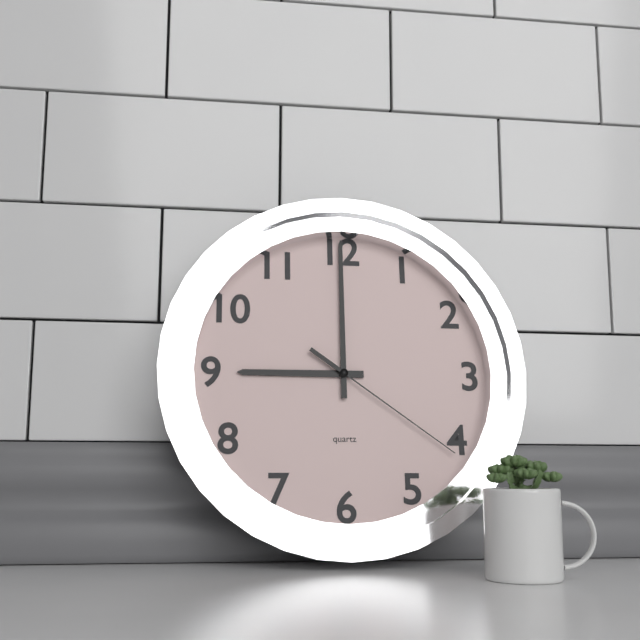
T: 9:00:21
